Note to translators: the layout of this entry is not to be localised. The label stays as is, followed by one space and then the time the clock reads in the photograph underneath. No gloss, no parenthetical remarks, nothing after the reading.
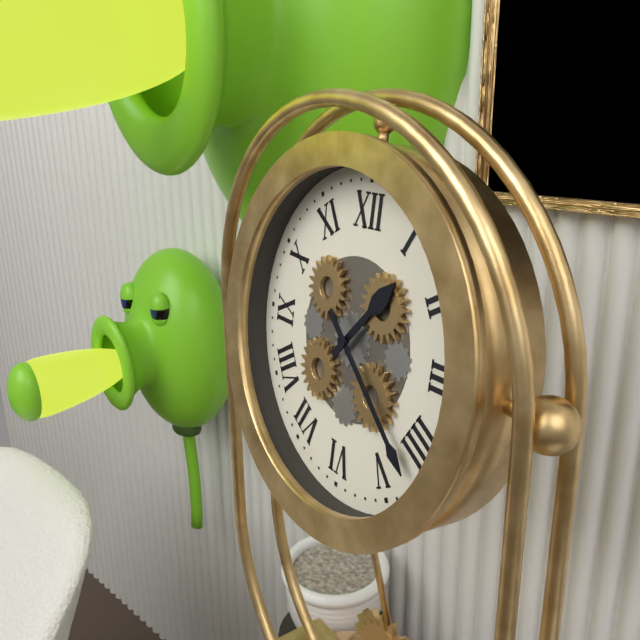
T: 1:22
